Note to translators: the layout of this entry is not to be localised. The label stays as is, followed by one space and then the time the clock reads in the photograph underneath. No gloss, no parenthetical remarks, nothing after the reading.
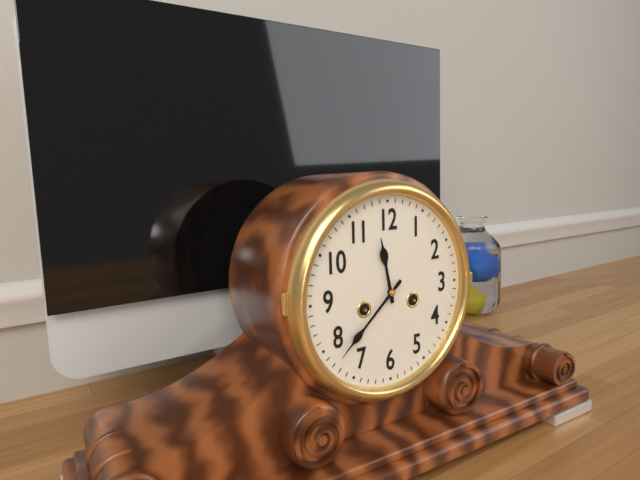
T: 11:38
